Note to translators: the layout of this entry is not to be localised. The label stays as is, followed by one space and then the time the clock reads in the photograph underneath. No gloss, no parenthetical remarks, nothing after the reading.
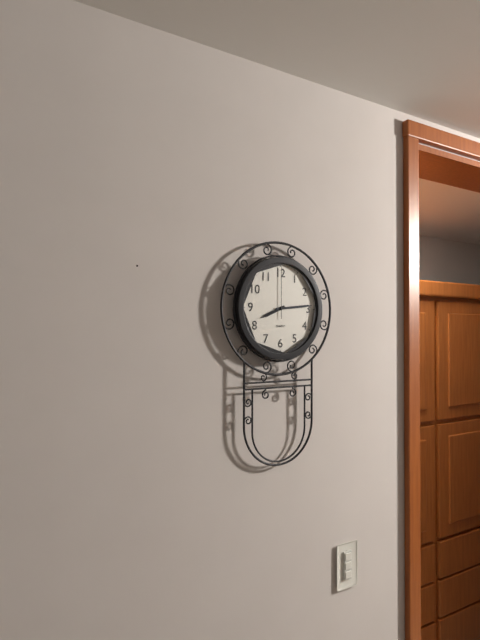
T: 8:14:00
